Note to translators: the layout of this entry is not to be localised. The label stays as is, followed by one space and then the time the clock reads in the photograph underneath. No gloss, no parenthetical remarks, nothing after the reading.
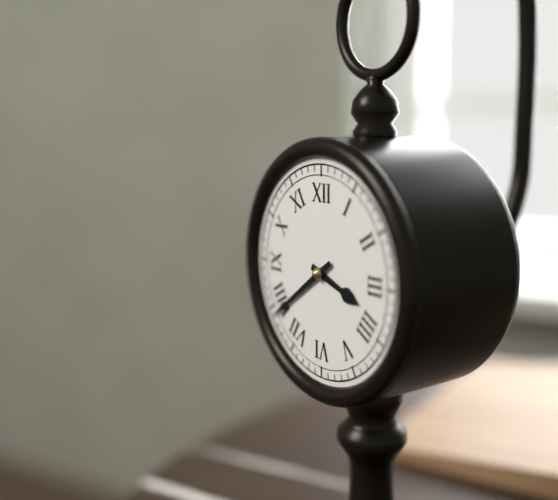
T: 3:39
